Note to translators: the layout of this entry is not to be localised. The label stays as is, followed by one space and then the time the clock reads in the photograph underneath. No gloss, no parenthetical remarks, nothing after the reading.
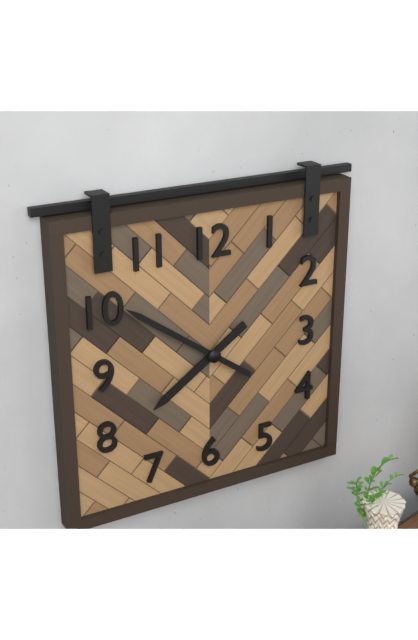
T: 7:51
